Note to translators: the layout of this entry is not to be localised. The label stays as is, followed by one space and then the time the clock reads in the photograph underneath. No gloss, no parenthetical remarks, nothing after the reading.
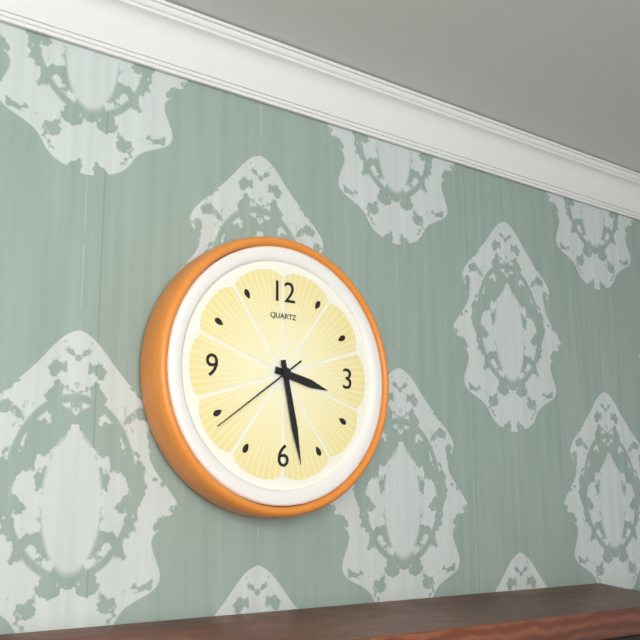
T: 3:28:39
